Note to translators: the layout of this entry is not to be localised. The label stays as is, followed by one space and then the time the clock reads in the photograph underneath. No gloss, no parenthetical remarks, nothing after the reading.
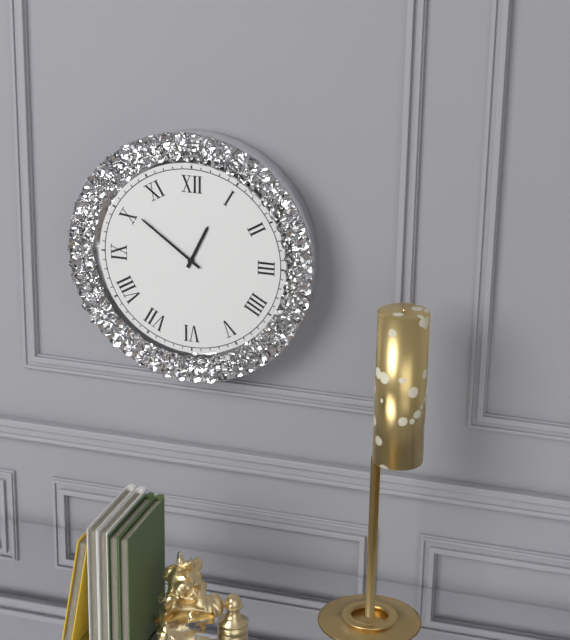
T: 12:51
